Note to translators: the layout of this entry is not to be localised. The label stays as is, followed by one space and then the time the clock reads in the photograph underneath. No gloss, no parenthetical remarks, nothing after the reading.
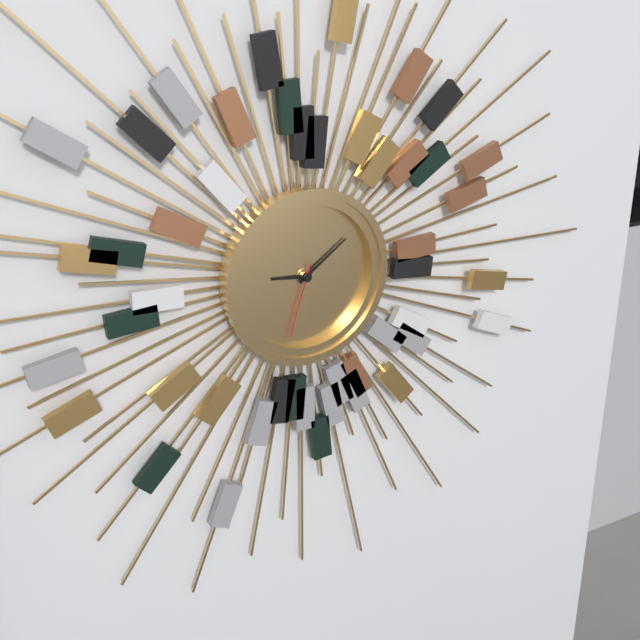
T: 9:09:33
